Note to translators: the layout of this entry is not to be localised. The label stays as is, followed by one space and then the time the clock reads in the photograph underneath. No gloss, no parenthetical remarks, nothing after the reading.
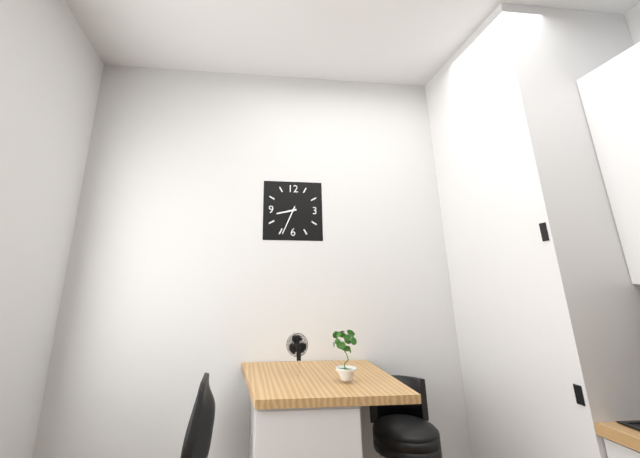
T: 8:34
